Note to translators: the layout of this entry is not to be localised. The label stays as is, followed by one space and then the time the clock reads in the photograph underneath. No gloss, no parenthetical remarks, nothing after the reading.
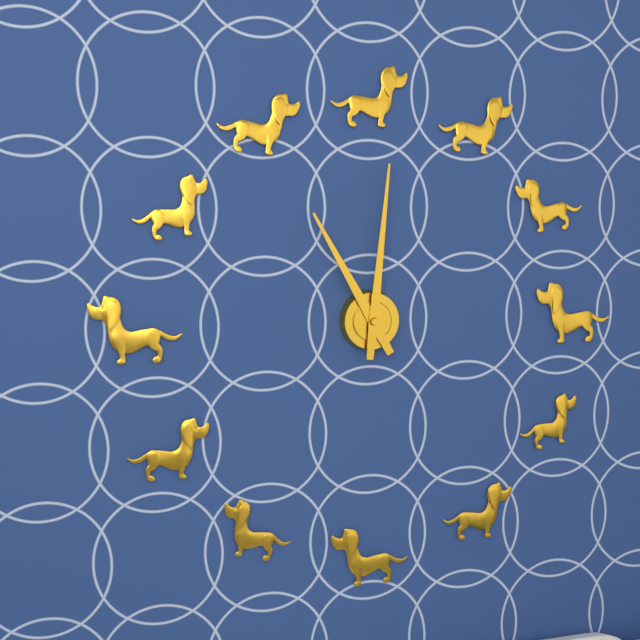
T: 11:01
